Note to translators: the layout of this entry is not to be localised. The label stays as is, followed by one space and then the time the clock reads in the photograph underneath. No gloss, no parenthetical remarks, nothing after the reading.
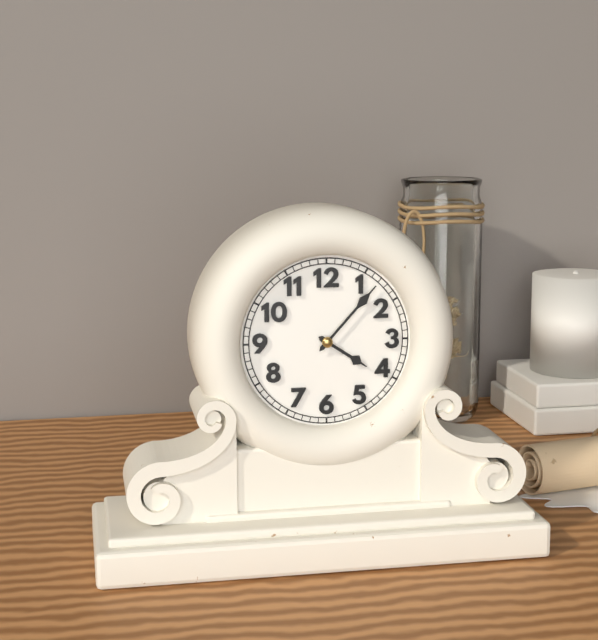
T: 4:07
